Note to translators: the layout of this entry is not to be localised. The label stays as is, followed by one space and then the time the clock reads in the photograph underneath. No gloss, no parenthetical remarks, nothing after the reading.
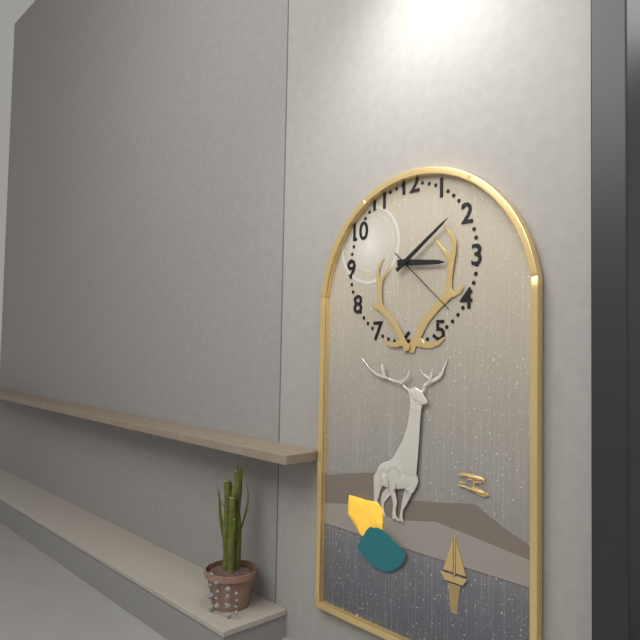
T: 3:09:22
